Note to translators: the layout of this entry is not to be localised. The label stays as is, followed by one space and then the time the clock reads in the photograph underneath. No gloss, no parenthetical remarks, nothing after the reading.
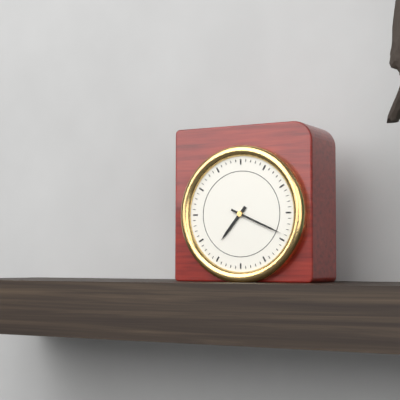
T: 7:19
